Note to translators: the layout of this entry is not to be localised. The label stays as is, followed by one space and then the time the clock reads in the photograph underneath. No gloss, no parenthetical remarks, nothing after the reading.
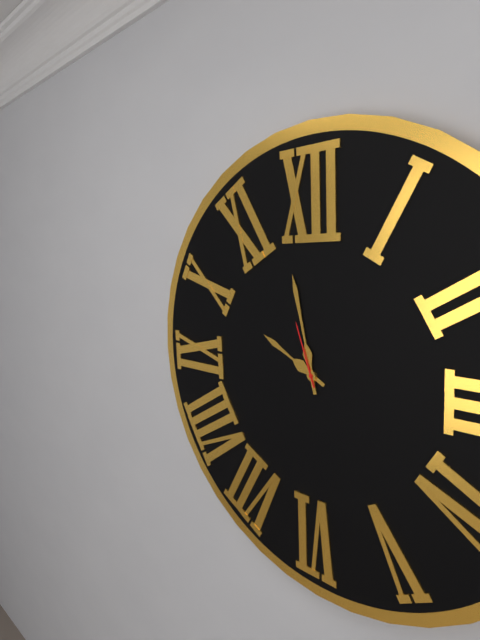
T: 9:58:57
